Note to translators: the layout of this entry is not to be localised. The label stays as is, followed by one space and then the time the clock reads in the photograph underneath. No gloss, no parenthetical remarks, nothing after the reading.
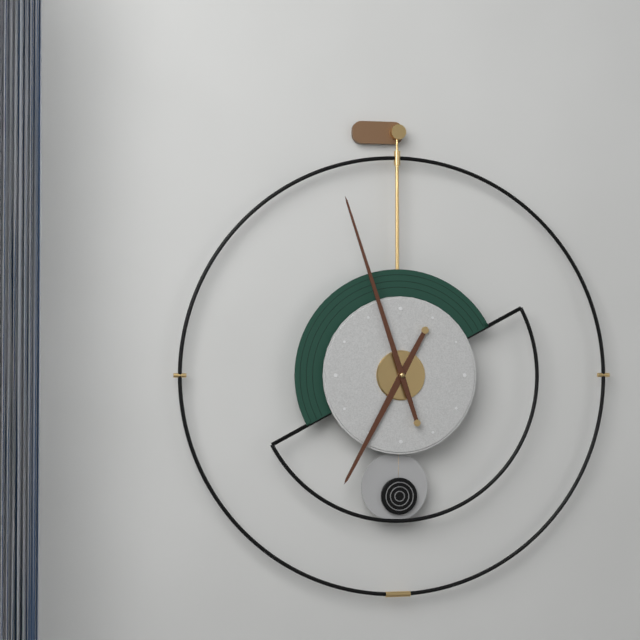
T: 6:57
